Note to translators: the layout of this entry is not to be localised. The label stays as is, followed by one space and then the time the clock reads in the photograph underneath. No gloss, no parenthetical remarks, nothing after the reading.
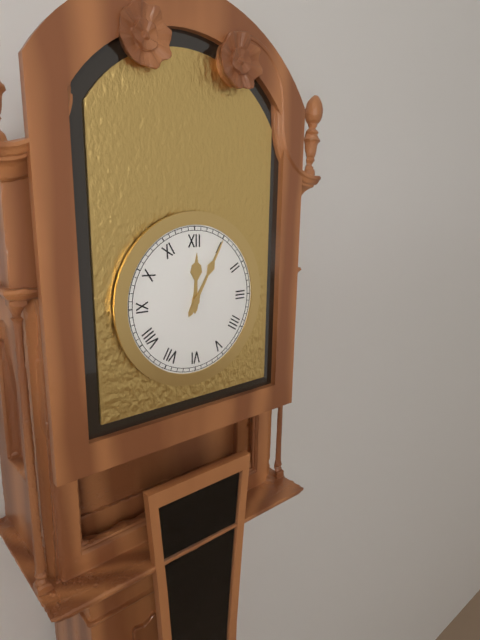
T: 12:05
